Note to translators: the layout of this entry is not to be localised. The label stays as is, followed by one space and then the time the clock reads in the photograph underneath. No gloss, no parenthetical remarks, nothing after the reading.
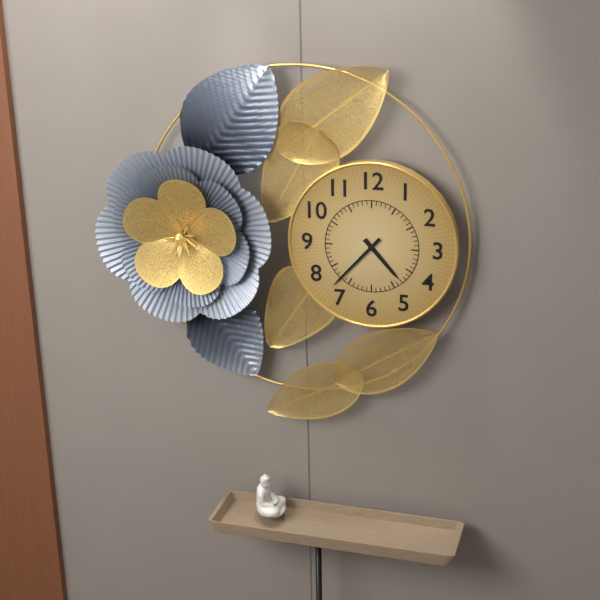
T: 4:37
